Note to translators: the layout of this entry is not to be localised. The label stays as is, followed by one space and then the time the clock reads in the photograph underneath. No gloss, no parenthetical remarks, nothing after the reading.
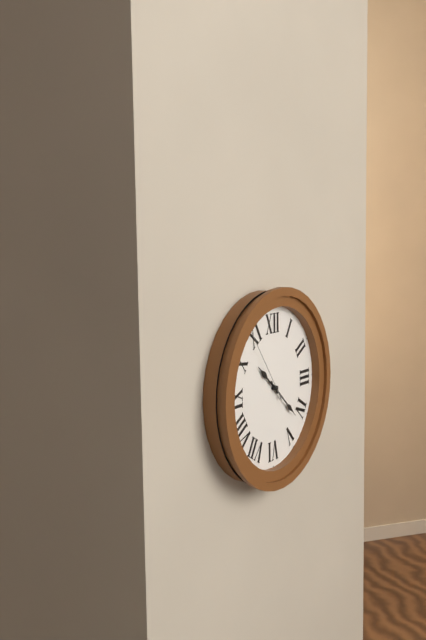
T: 10:22:54
